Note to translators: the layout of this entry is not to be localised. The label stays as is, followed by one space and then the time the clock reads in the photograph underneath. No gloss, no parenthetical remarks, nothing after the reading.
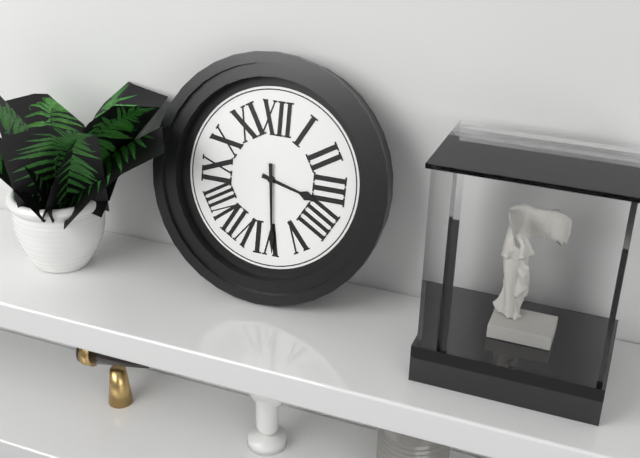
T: 3:29
